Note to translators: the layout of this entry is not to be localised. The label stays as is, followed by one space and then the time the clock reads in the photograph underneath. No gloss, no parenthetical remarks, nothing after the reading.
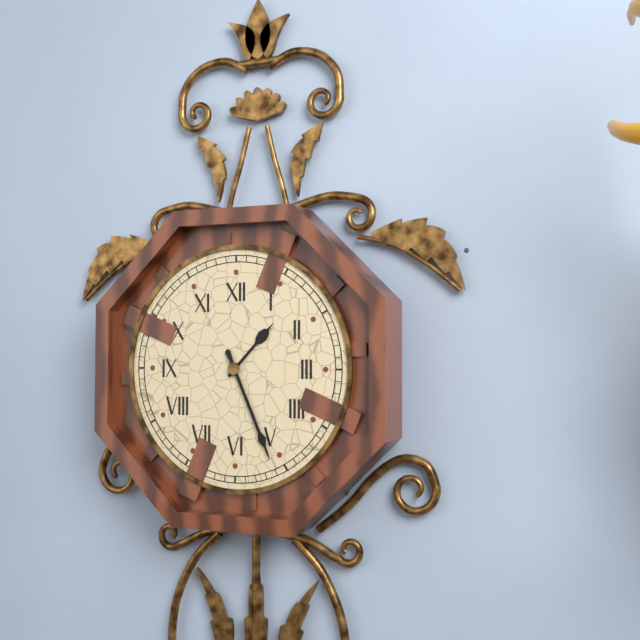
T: 1:26
